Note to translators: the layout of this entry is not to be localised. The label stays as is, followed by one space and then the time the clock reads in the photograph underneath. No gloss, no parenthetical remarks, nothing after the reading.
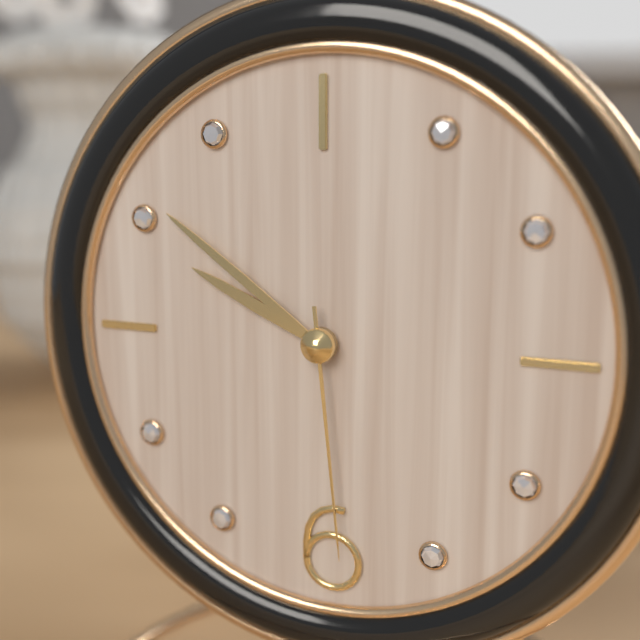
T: 9:51:29
